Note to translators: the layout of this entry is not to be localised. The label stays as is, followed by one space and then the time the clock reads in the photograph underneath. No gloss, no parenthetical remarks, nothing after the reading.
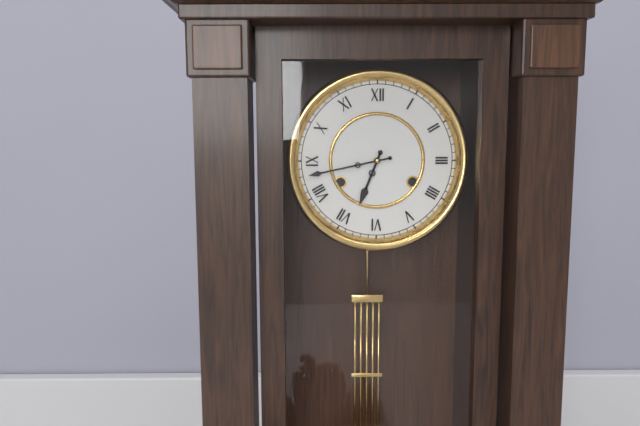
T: 6:43
